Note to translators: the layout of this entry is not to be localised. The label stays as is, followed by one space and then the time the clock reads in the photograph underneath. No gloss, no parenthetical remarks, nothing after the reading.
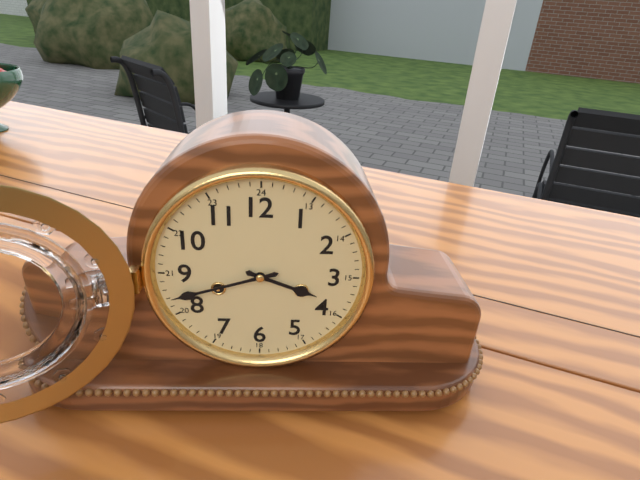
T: 3:42
